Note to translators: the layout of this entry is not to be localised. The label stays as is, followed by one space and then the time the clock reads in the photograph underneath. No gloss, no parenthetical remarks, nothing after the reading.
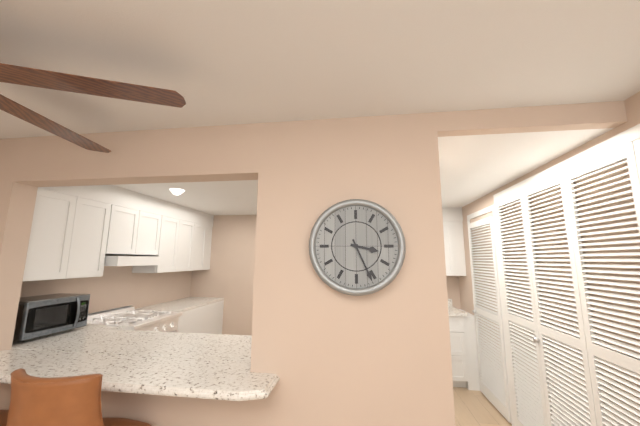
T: 3:26
